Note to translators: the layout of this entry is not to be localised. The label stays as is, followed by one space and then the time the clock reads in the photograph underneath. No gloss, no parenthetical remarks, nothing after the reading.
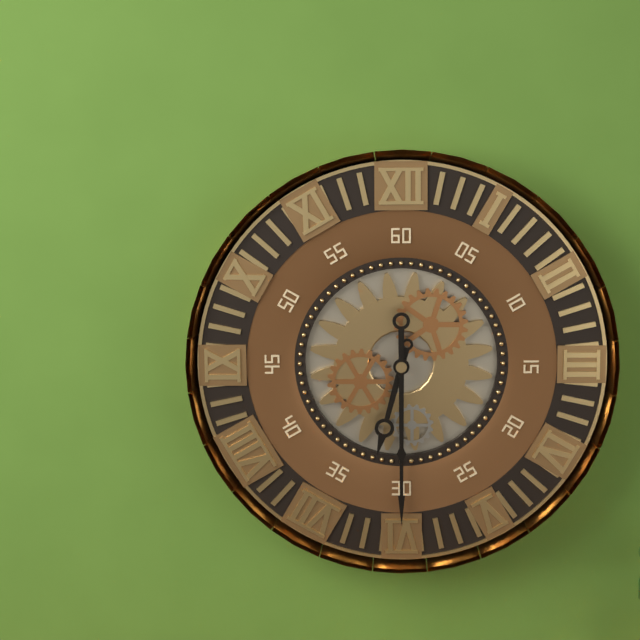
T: 6:30
